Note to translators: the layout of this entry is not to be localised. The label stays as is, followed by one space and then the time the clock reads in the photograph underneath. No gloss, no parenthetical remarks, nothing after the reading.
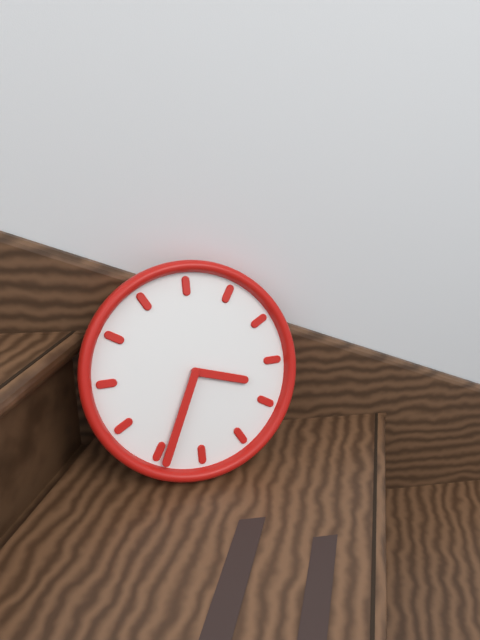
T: 3:34
